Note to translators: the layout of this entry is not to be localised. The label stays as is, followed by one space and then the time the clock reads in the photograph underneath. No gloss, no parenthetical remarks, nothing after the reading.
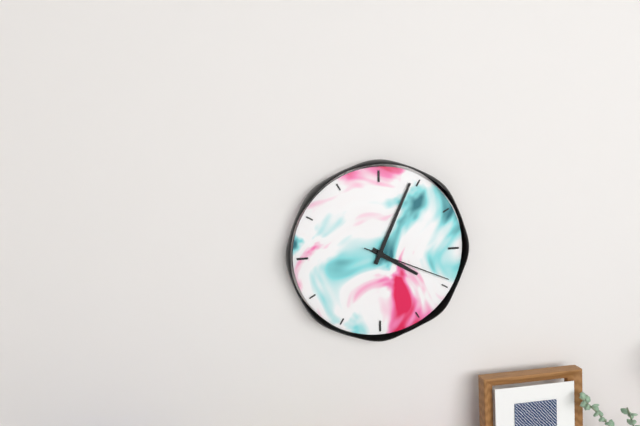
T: 4:04:19
